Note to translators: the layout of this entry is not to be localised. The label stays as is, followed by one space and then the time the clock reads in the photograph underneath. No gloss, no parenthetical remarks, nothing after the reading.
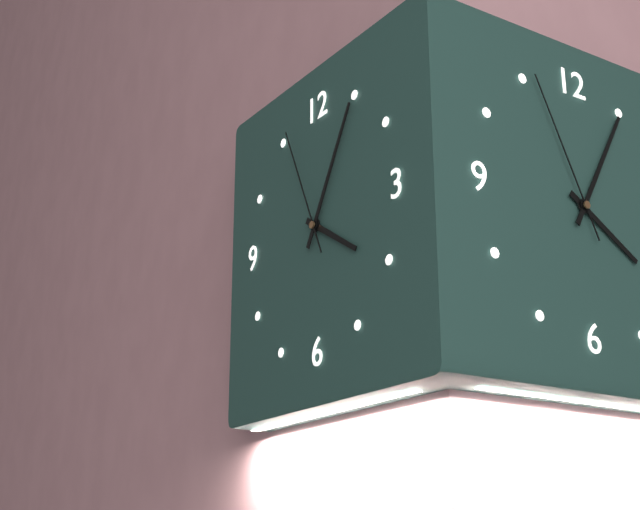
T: 4:05:56
